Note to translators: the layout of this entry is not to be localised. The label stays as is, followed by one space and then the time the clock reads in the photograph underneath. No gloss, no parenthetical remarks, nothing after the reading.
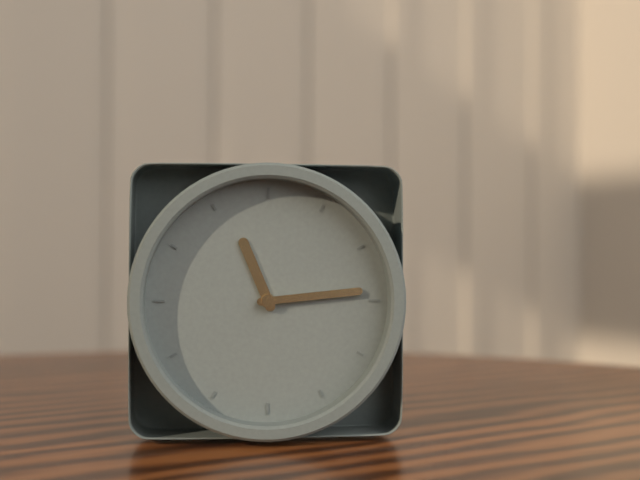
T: 11:14
